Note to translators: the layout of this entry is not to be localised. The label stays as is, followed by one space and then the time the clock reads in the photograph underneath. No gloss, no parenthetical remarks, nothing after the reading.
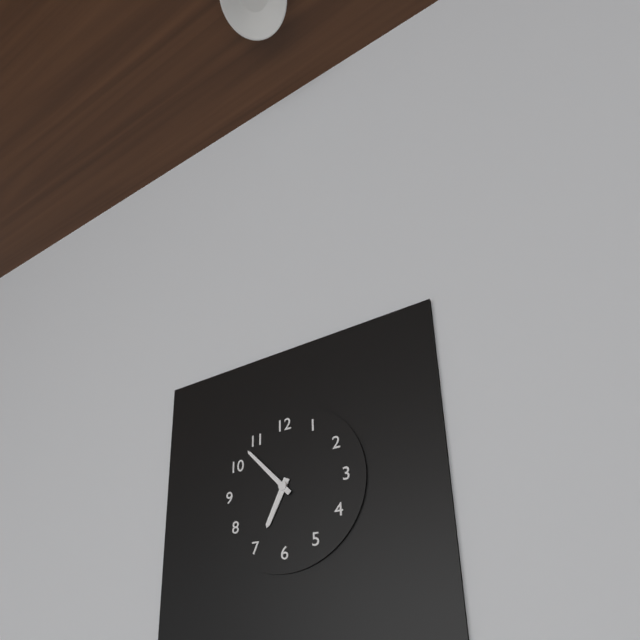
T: 6:53
